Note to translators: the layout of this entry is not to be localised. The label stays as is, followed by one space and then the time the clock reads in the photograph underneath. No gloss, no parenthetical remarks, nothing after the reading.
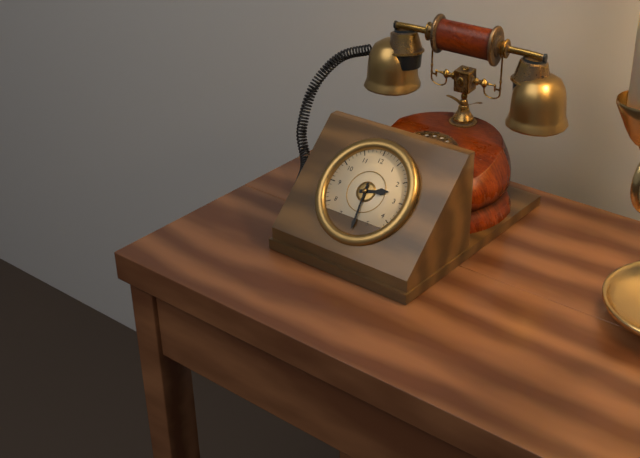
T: 2:29
